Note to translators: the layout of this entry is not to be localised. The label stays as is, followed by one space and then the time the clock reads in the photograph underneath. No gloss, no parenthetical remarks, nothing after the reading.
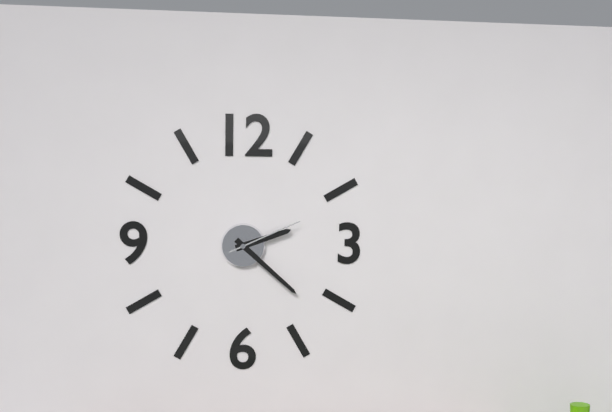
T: 2:22:11
